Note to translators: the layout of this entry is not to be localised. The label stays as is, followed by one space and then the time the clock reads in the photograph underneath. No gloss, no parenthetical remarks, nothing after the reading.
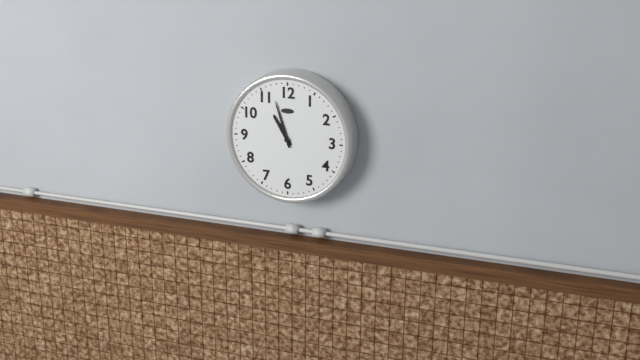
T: 10:57
